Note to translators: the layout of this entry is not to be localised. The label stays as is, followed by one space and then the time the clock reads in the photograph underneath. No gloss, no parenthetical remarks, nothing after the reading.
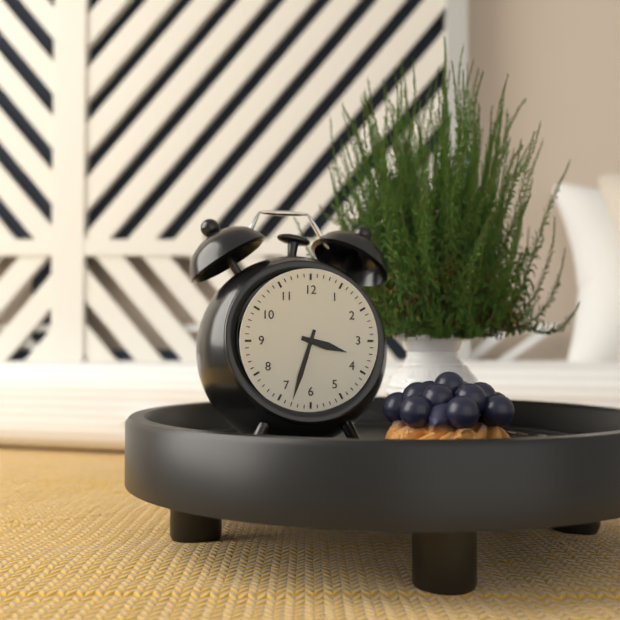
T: 3:33
